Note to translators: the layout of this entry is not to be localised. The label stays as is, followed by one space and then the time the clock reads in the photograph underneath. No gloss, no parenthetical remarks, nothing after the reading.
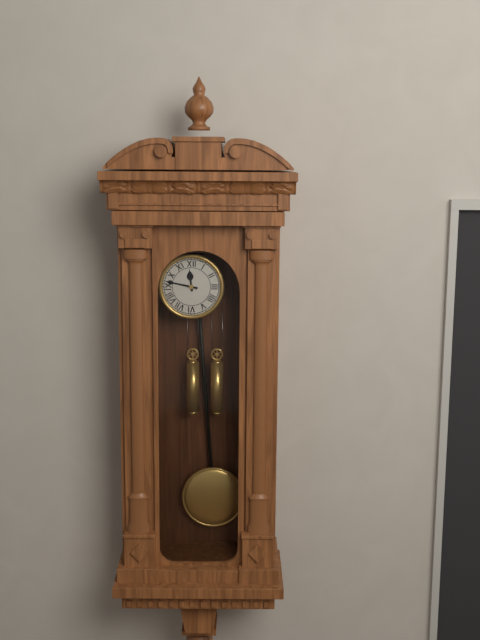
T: 11:47
